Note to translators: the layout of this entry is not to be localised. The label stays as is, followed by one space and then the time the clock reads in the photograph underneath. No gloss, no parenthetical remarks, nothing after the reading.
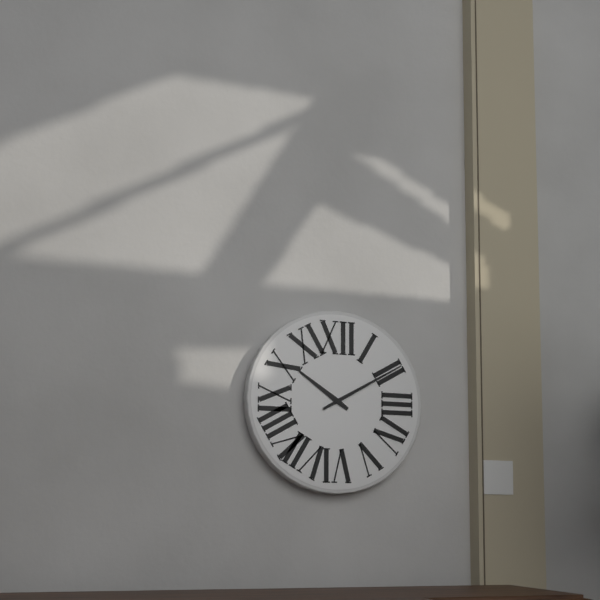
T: 10:10
